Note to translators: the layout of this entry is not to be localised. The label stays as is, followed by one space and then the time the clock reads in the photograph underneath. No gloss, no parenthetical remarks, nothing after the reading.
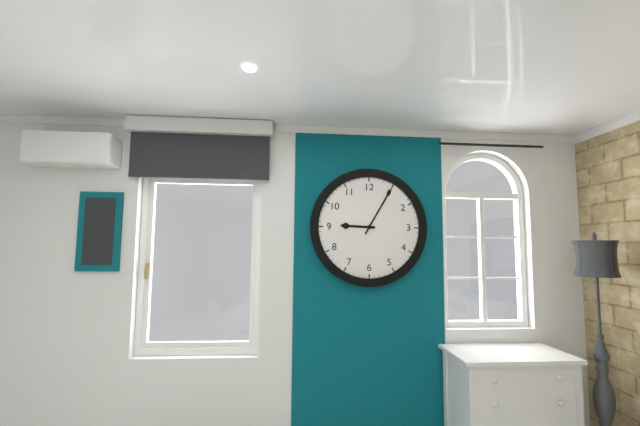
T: 9:05
